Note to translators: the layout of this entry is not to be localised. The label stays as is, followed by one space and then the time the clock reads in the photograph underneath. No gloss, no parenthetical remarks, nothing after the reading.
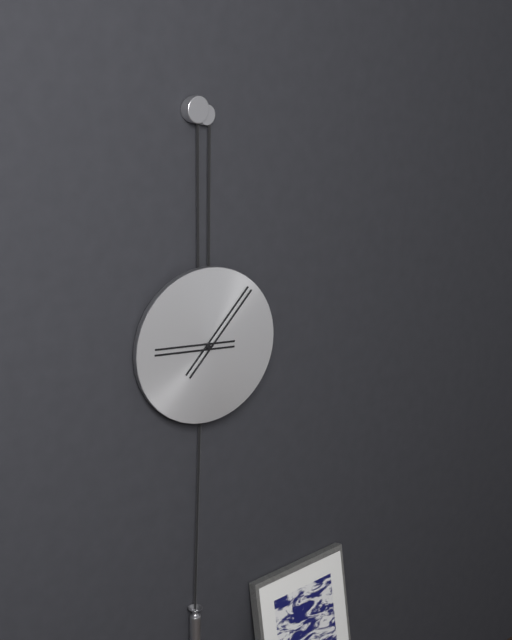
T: 9:07
